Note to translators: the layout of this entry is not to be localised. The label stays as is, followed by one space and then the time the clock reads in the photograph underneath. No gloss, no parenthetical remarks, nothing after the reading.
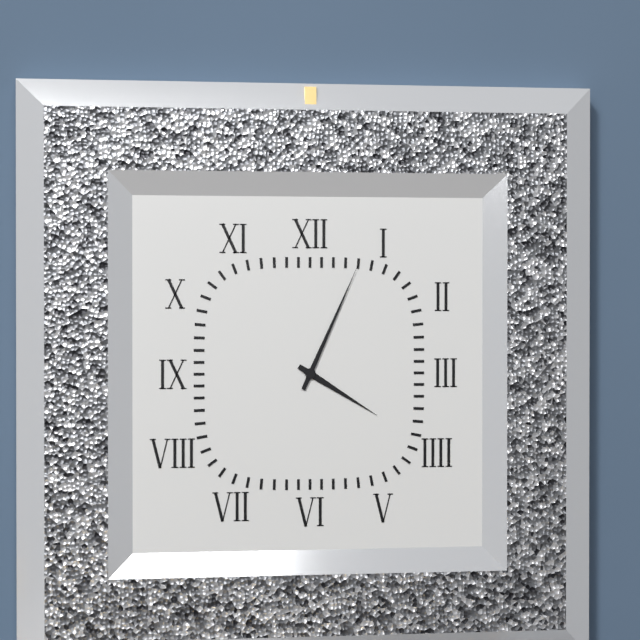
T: 4:04
